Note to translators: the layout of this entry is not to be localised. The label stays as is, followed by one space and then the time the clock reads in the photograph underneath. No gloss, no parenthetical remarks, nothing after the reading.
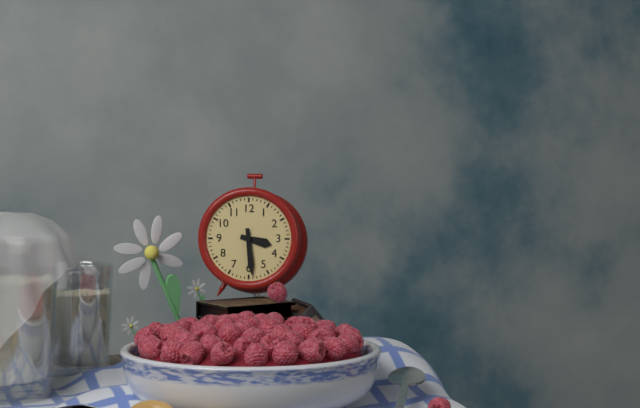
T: 3:29
